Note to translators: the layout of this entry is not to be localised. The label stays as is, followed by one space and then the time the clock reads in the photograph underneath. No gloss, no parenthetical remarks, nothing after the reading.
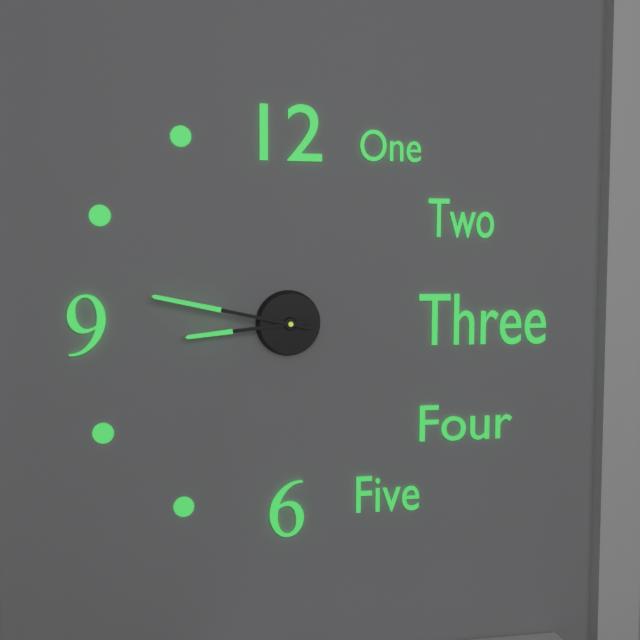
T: 8:47
